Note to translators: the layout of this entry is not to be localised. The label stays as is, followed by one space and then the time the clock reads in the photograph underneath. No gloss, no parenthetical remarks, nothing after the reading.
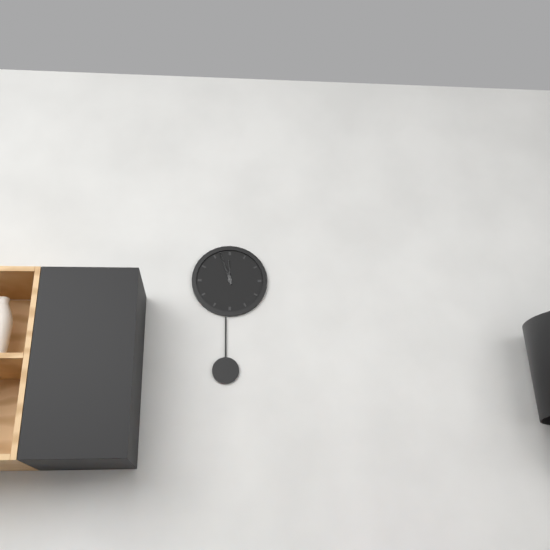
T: 11:57
